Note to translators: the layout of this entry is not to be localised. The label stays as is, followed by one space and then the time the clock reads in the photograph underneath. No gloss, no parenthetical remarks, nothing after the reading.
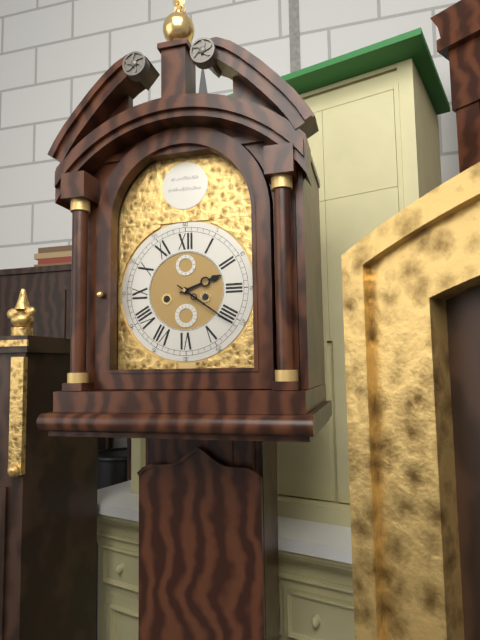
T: 2:21
